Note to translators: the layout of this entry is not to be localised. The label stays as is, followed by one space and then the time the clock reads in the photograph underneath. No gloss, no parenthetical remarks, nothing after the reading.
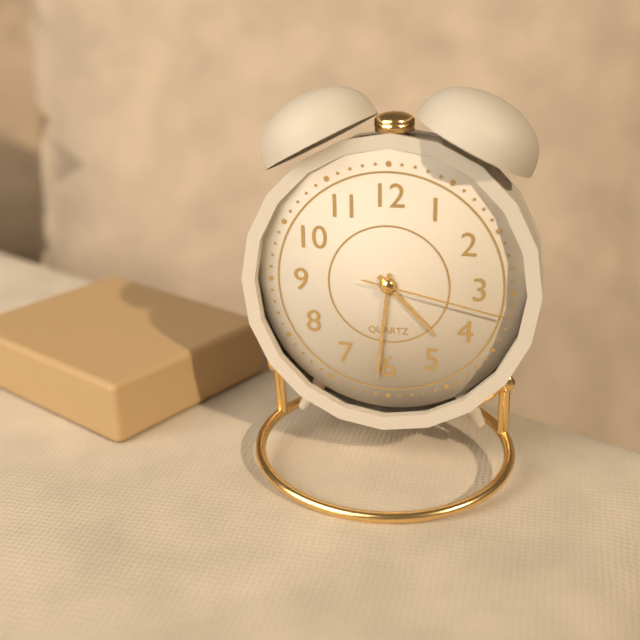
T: 4:31:17
